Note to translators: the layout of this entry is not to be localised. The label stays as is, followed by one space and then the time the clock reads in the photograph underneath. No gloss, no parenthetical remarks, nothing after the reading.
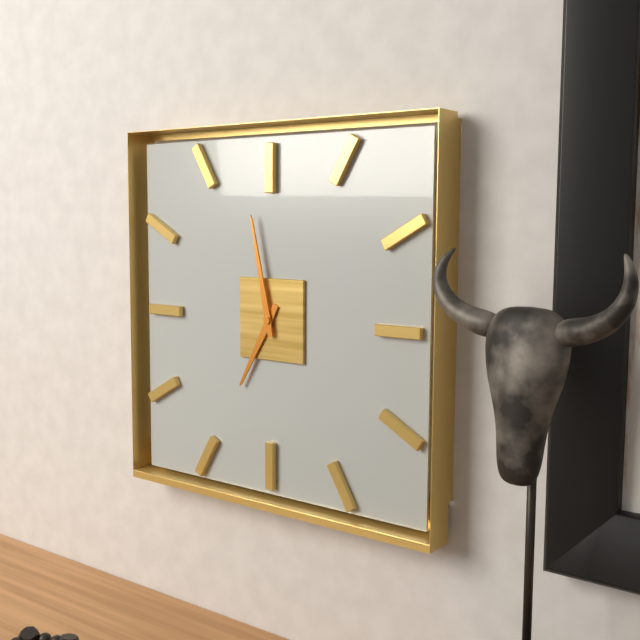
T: 6:58
